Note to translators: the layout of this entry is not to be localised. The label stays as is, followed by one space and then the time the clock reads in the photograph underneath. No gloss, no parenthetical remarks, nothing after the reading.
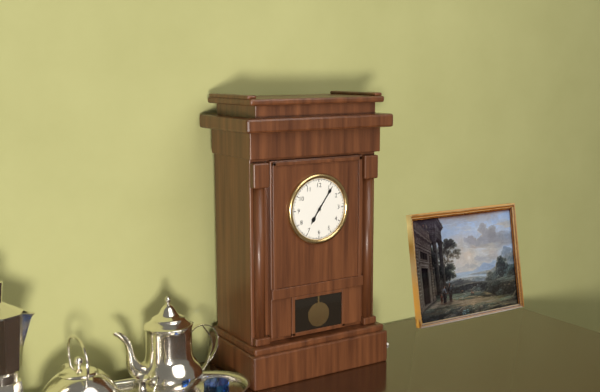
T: 7:06
